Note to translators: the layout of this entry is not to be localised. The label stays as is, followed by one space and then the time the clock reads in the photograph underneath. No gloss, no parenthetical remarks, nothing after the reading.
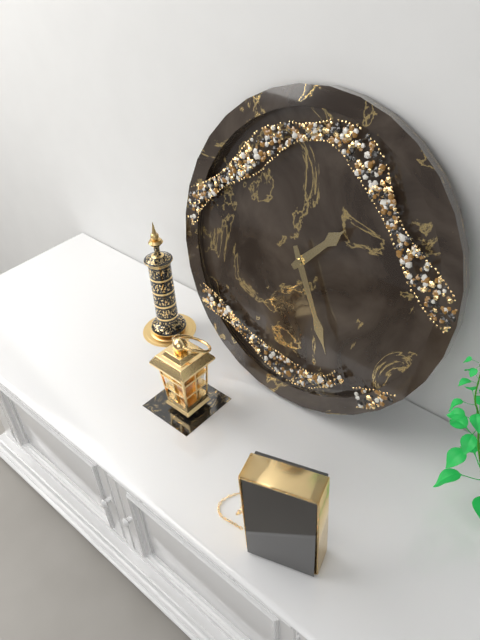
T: 1:25
